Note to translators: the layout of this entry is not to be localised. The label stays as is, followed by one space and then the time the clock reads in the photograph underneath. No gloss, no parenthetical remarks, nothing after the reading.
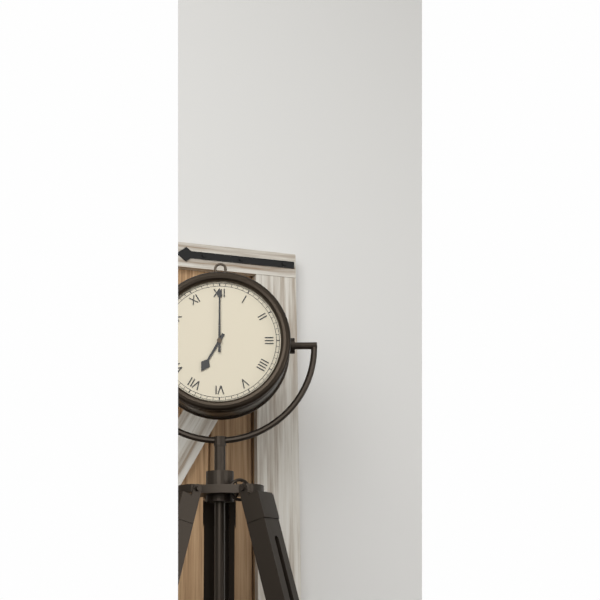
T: 7:00
